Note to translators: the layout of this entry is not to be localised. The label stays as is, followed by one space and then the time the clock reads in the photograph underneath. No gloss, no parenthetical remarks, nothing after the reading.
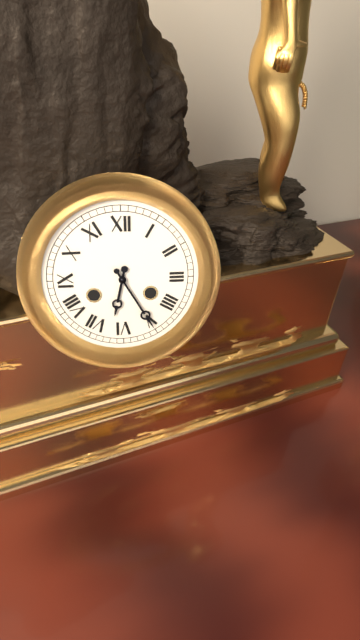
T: 6:25
